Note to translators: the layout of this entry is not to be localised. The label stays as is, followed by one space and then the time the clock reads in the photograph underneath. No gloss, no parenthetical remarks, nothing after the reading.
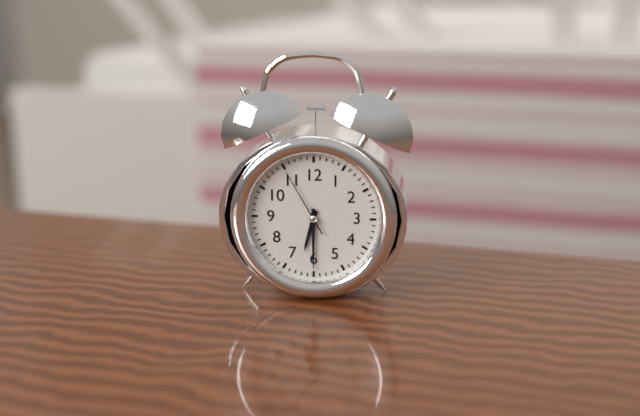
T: 6:30:55
